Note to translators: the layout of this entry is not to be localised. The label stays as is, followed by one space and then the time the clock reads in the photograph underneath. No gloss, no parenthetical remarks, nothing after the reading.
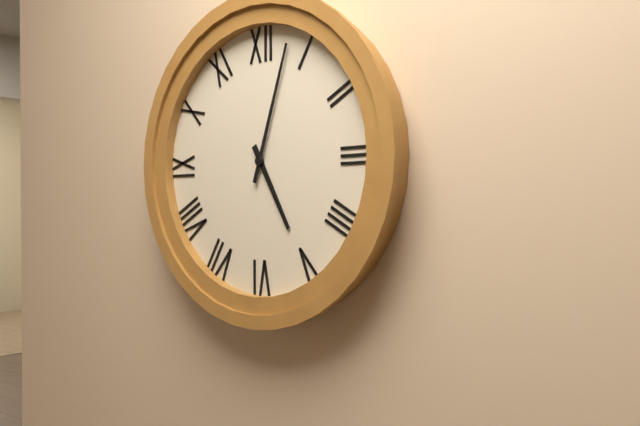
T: 5:03
